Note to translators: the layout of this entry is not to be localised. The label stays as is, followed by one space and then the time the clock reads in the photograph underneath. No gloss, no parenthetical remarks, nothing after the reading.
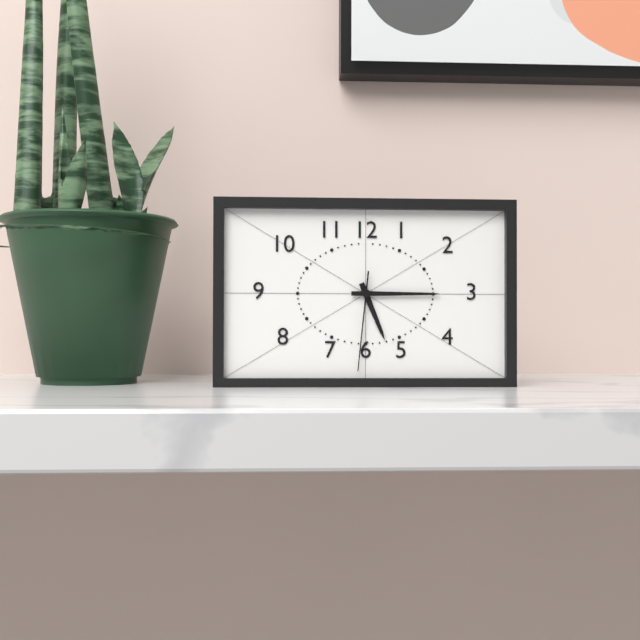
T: 5:15:31
